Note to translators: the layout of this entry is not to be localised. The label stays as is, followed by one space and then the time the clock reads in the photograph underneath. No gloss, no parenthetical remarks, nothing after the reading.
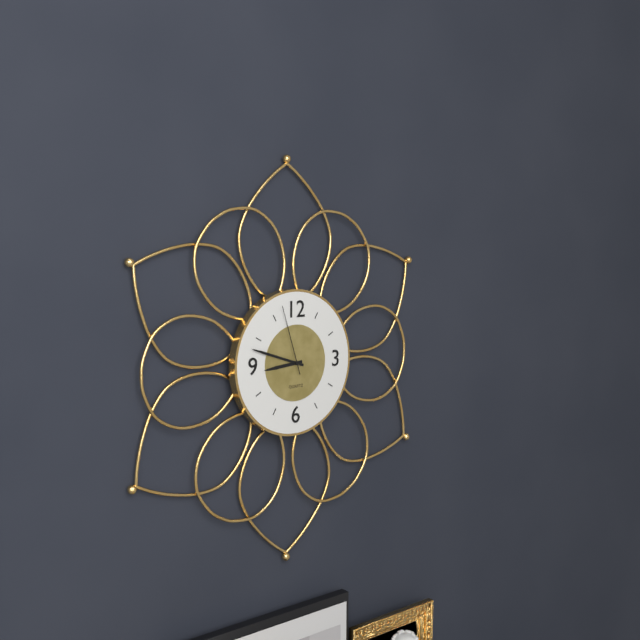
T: 8:48:57
